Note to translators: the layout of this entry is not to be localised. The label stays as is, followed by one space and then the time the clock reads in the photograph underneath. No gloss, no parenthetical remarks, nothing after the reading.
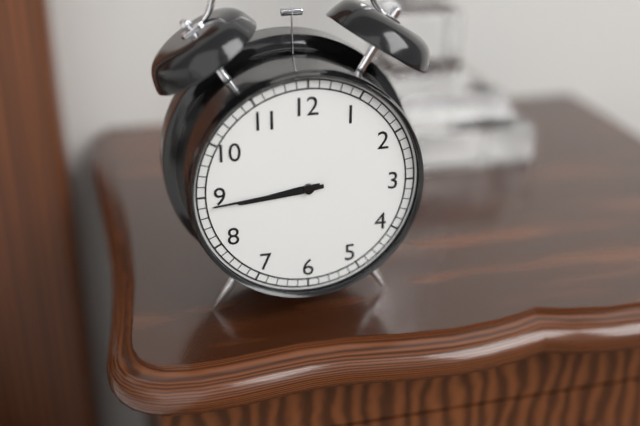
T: 8:44
